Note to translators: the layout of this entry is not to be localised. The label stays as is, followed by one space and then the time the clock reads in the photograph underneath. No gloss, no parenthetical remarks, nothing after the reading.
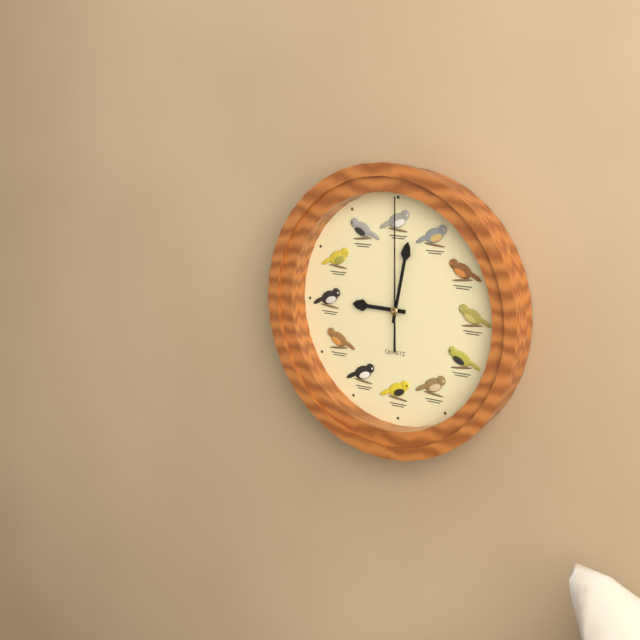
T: 9:02:00
